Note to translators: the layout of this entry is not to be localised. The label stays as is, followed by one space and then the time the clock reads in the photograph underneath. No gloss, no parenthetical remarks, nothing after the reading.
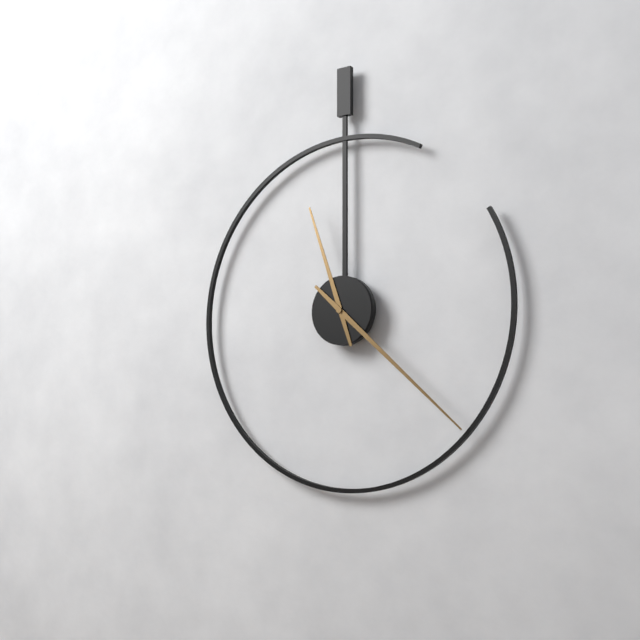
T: 11:22
